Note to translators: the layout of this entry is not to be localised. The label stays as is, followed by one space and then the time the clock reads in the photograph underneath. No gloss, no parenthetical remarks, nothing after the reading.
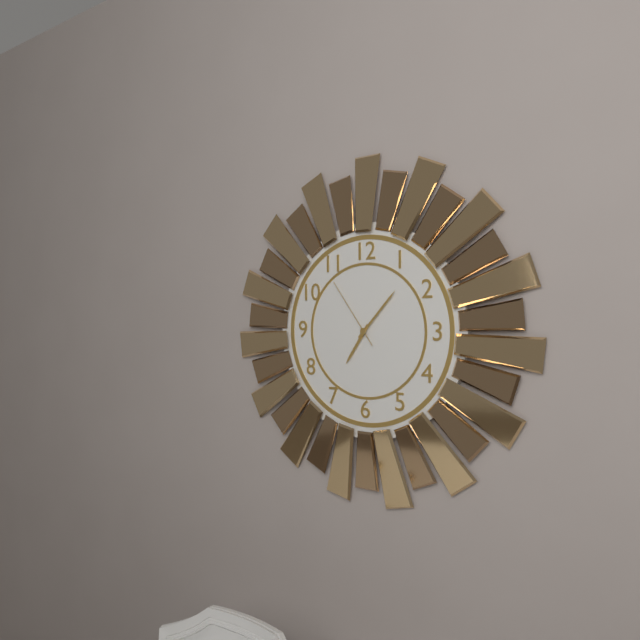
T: 7:07:54
